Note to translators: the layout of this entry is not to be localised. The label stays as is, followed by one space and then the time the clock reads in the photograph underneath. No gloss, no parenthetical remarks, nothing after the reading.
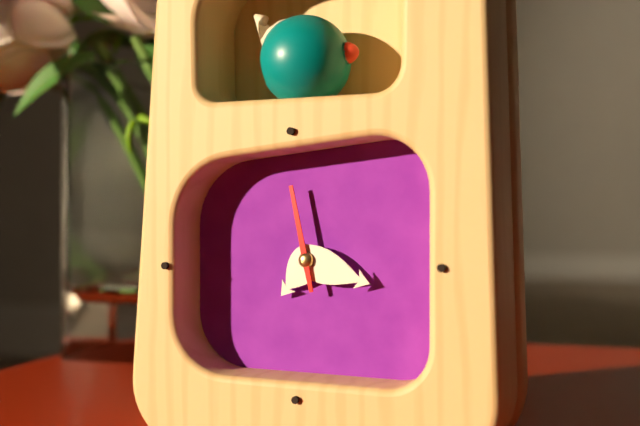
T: 7:18:58
